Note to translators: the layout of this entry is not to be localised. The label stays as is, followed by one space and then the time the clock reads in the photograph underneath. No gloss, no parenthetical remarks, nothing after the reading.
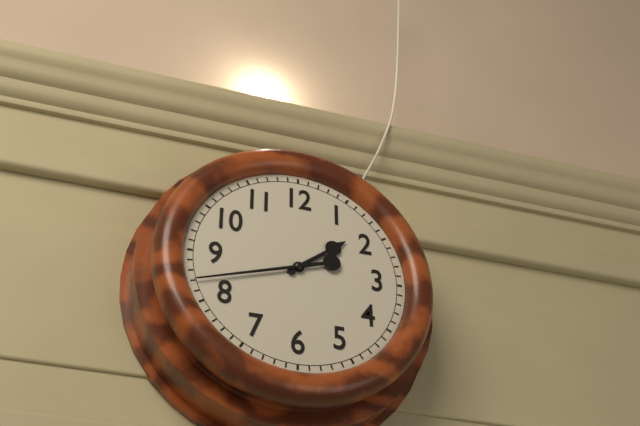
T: 1:42
